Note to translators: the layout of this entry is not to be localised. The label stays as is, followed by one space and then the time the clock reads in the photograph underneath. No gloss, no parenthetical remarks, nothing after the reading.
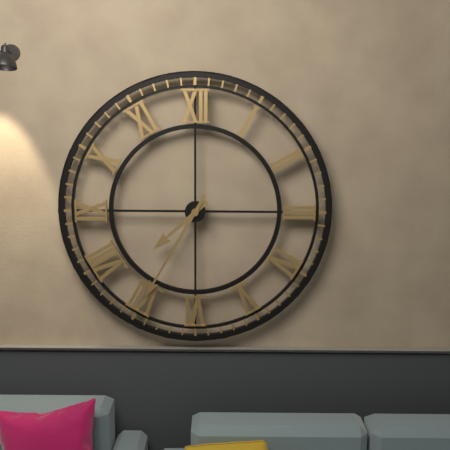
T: 7:35
